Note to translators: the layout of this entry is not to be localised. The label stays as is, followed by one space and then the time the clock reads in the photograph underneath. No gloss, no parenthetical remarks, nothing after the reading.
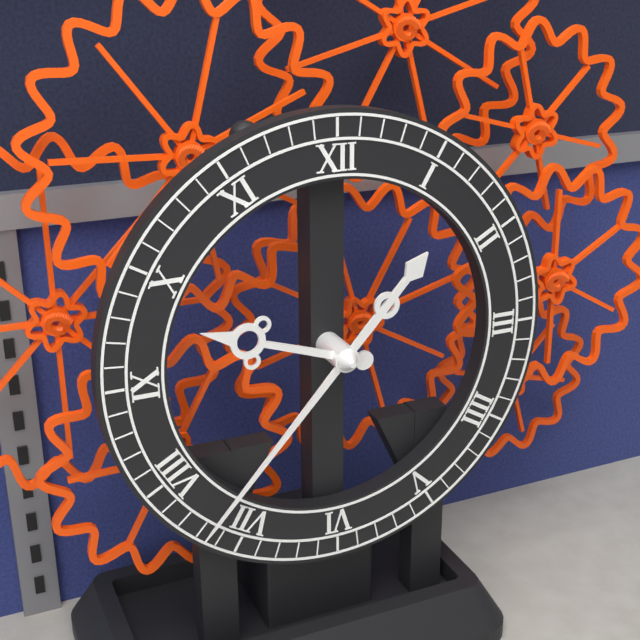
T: 9:37
